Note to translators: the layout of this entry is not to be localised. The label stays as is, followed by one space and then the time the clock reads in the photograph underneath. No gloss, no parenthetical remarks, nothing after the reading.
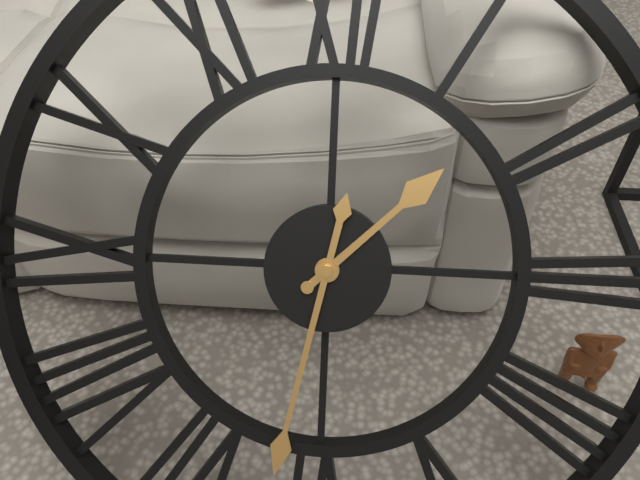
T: 1:32
